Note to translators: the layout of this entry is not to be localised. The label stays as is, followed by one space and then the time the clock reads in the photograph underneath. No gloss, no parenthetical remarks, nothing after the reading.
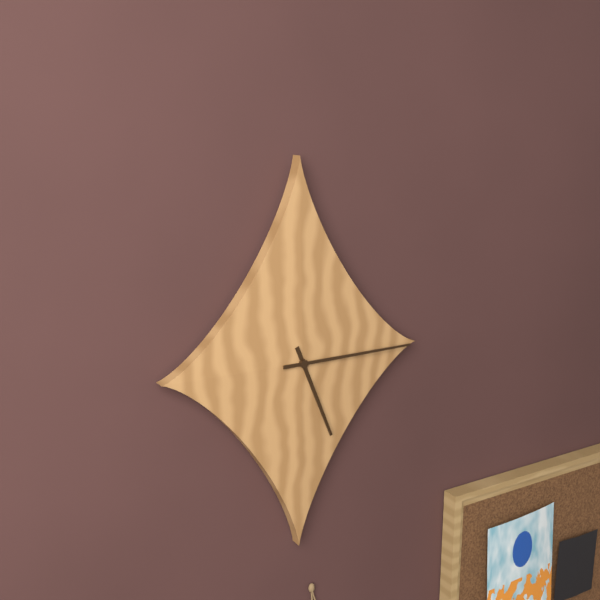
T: 5:15
